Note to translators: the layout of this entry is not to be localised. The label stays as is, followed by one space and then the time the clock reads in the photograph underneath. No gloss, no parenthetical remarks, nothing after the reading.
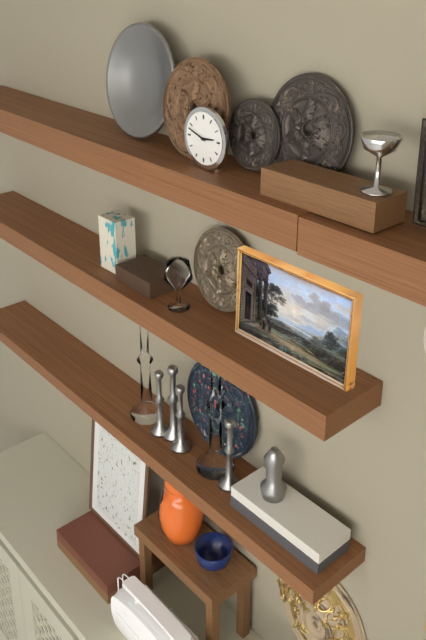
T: 2:48
